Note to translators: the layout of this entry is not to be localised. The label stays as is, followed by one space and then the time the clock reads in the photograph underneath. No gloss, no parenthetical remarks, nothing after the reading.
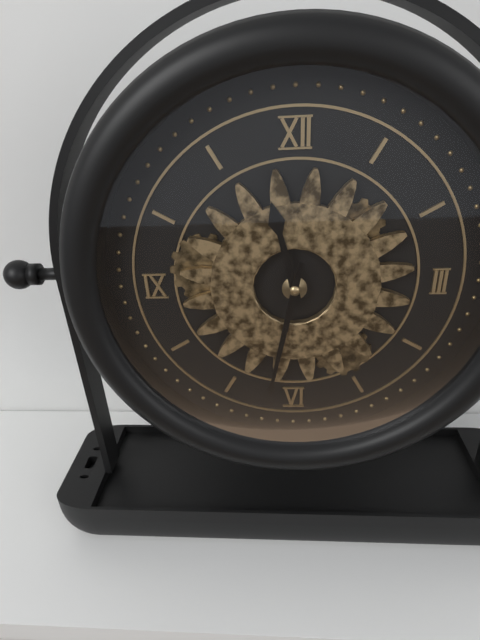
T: 11:32
